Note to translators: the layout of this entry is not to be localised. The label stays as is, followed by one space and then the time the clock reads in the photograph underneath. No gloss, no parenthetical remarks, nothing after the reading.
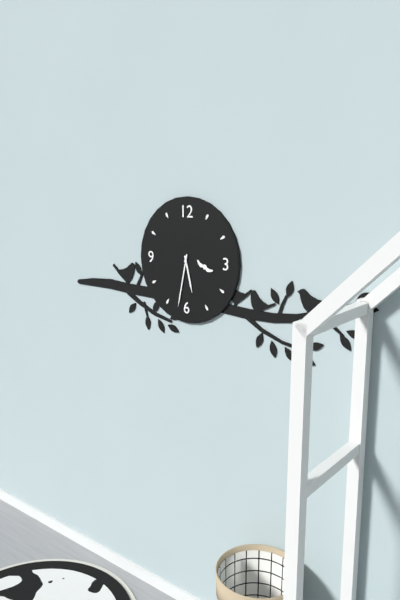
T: 5:32
